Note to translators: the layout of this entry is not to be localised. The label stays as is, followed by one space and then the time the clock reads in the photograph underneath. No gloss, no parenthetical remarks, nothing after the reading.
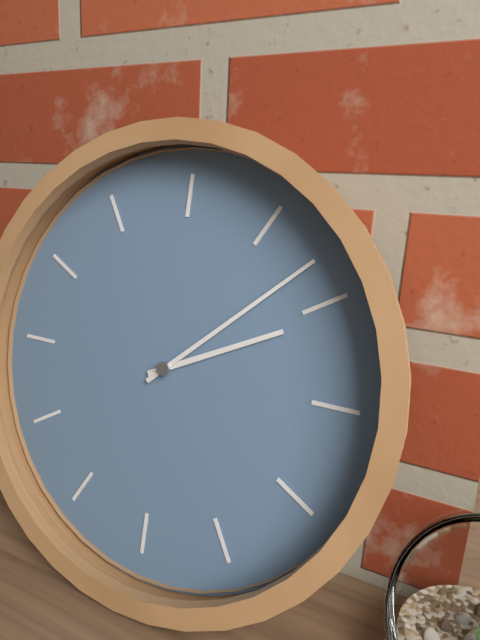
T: 2:08
